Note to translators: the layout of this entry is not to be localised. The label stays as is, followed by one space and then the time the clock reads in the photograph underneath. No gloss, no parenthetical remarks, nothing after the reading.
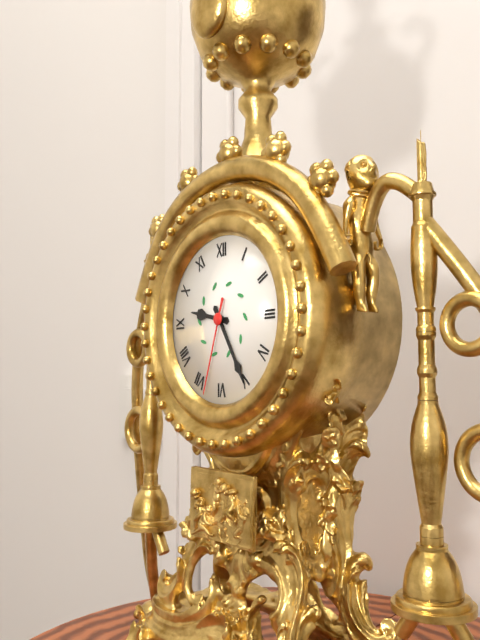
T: 9:25:33
